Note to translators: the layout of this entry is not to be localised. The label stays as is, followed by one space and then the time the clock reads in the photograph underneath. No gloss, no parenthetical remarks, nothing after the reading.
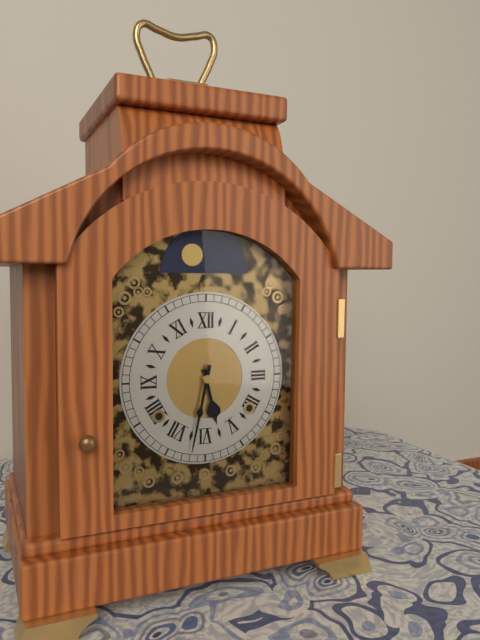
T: 5:32
